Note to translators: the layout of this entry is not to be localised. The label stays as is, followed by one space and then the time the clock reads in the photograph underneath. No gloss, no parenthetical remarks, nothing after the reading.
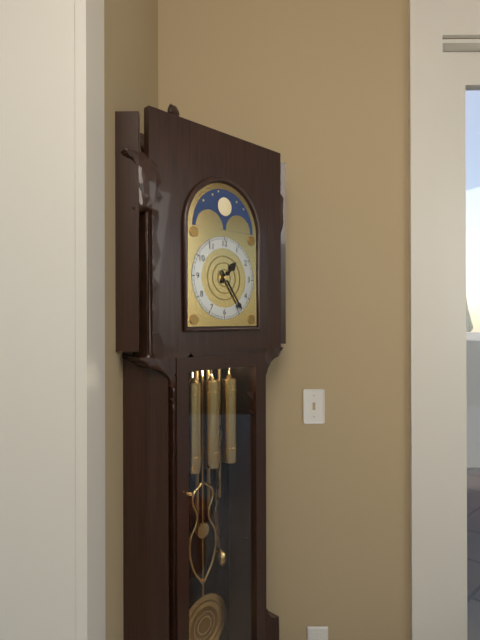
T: 1:24
